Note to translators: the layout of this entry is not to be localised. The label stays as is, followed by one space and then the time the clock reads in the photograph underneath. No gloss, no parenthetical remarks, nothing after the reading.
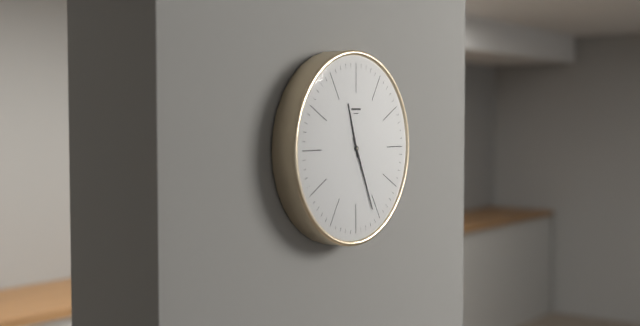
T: 11:26
